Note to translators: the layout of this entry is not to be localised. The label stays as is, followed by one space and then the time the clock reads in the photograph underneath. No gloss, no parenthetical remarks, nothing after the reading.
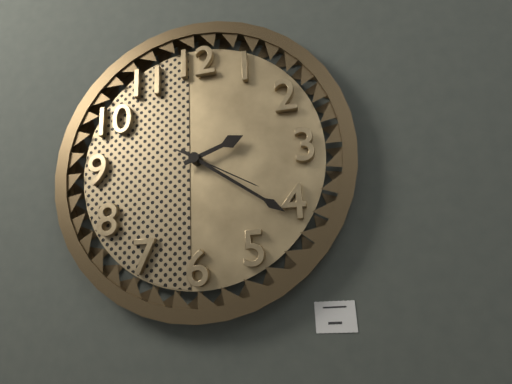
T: 2:21:20
